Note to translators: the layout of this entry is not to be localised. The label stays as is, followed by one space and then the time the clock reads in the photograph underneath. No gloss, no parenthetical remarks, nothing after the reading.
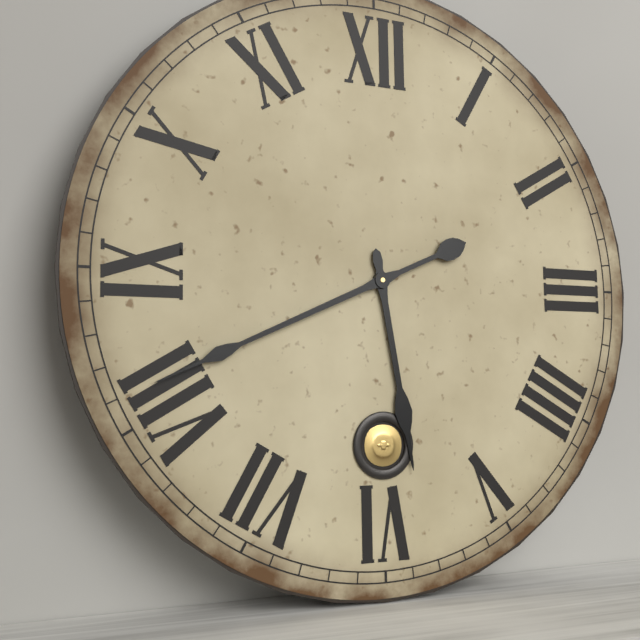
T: 5:41
